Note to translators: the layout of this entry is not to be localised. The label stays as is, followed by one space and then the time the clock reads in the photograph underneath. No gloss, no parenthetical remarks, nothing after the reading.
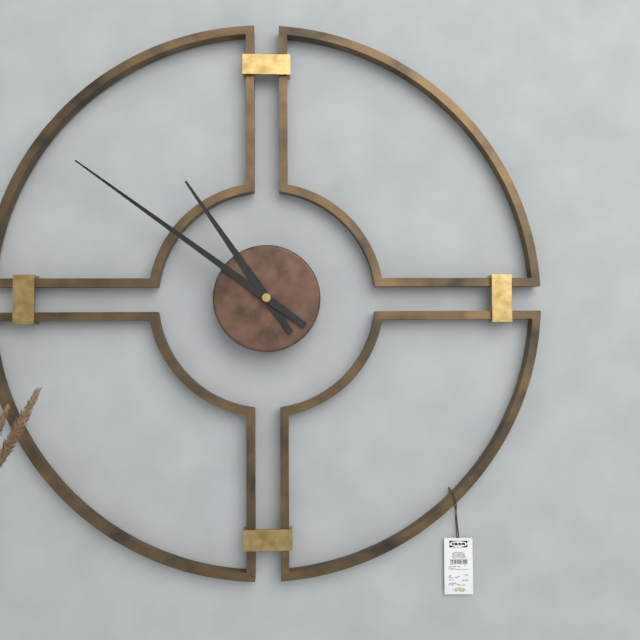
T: 10:51
